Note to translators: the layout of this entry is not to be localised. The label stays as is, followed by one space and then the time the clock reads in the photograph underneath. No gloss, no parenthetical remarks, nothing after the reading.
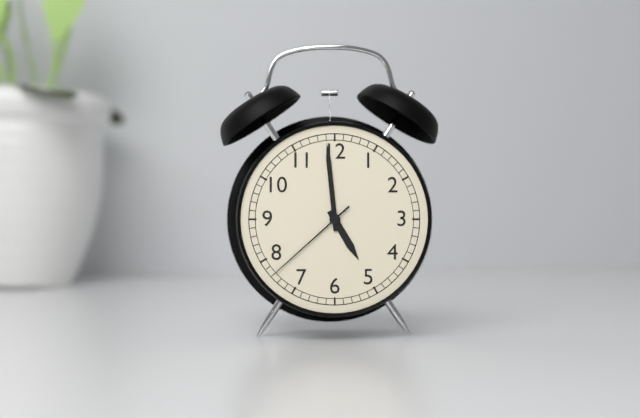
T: 4:59:38
